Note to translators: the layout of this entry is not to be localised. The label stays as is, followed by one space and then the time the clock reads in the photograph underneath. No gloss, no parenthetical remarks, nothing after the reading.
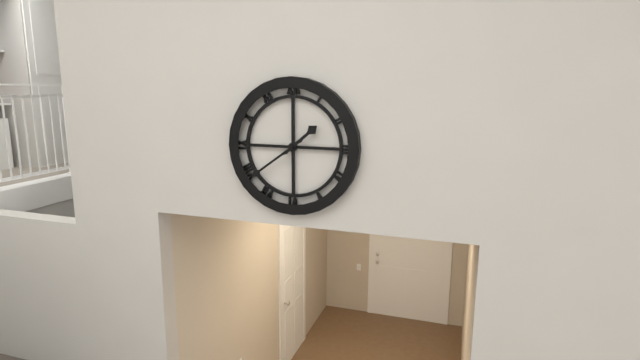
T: 1:39
